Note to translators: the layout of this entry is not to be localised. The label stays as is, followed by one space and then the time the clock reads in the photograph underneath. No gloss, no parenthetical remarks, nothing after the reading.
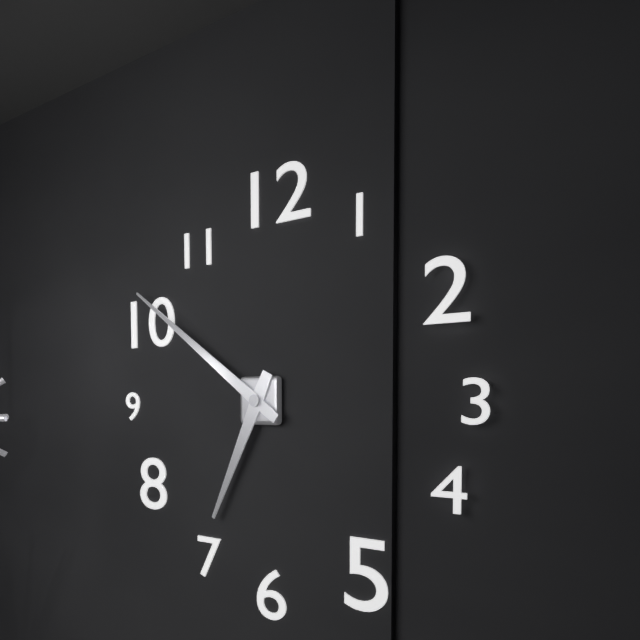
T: 6:51
